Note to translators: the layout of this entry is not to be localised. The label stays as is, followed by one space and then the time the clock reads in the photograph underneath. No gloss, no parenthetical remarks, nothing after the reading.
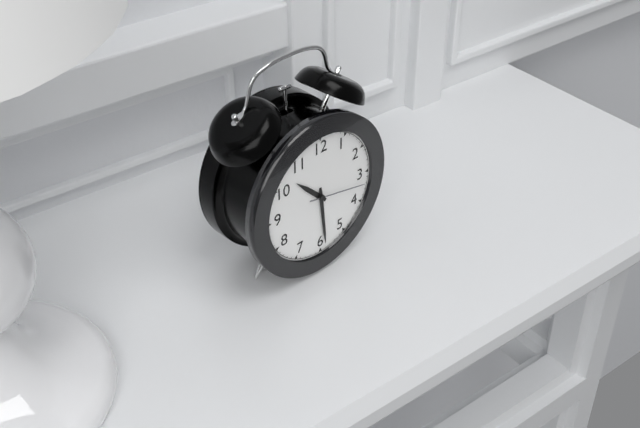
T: 10:29:17
